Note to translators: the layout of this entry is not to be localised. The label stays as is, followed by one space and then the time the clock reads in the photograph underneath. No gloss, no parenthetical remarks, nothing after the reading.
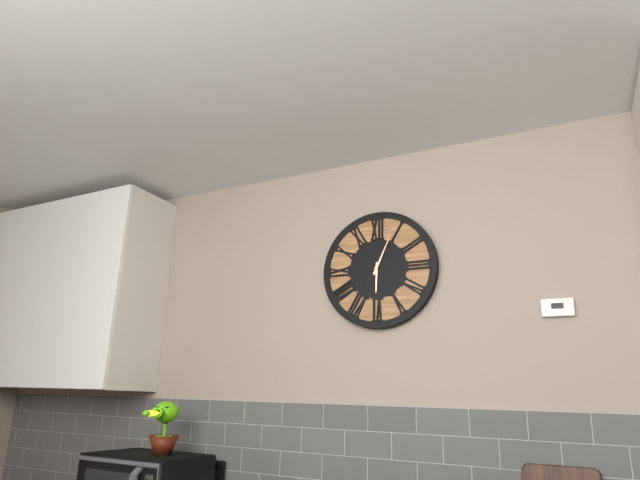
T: 6:04
